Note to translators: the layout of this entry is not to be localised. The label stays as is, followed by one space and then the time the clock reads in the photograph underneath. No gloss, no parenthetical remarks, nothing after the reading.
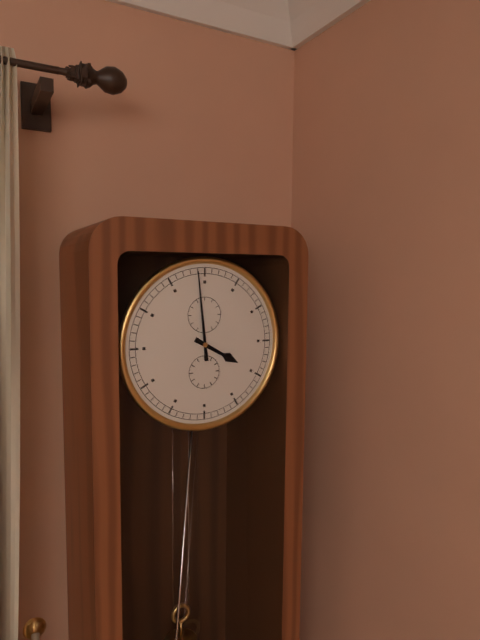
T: 3:59
